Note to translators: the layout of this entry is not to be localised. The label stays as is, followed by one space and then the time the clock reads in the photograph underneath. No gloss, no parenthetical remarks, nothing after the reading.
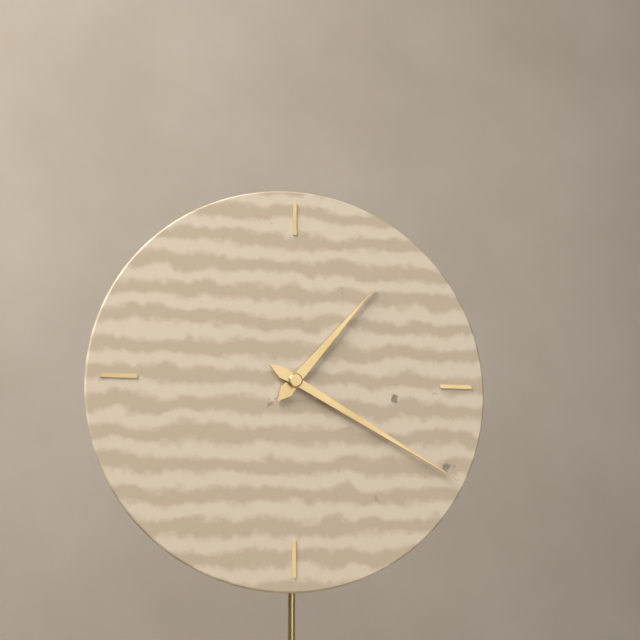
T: 1:20
